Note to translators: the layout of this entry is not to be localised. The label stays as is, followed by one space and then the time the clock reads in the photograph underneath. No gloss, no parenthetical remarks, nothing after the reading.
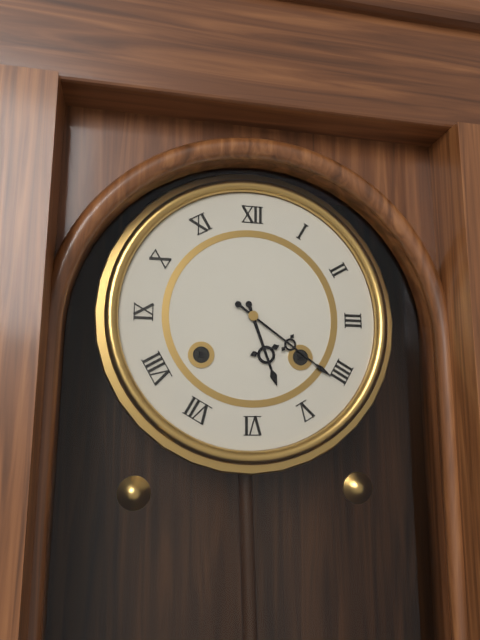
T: 5:21
